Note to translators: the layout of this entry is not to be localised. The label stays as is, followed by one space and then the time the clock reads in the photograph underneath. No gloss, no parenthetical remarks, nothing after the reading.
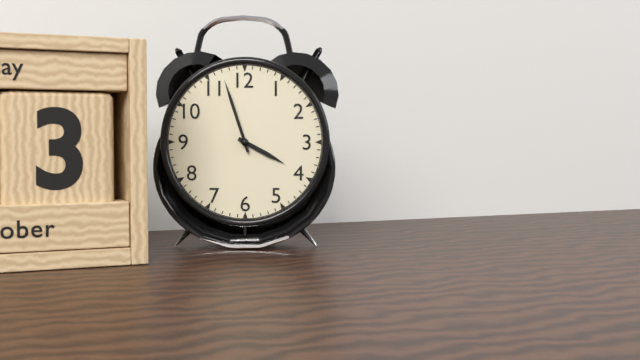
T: 3:57
